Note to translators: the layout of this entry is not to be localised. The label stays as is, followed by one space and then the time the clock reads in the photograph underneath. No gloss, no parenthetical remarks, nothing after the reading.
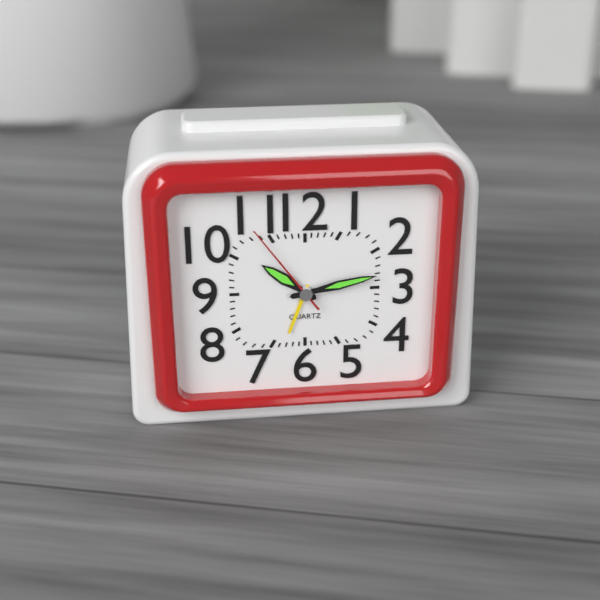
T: 10:13:54
